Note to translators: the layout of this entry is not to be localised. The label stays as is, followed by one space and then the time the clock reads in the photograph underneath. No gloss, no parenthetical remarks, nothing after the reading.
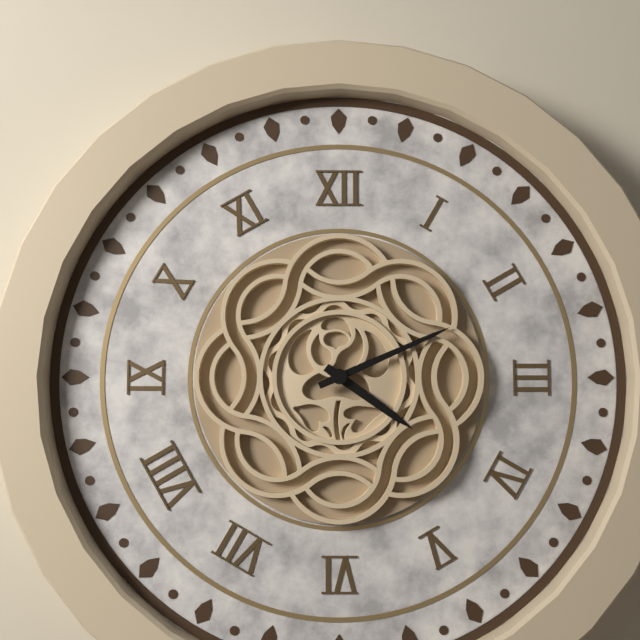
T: 4:11
